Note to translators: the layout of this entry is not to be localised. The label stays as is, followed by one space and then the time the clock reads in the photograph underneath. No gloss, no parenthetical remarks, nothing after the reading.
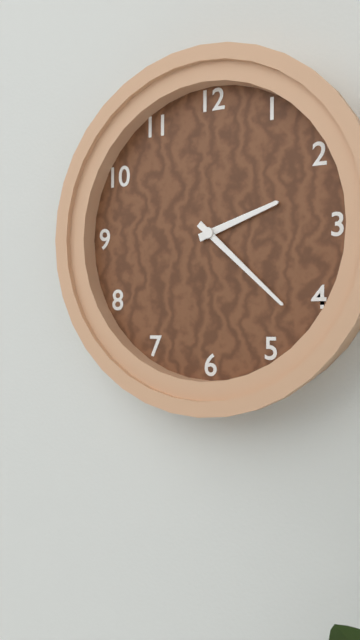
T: 2:22
